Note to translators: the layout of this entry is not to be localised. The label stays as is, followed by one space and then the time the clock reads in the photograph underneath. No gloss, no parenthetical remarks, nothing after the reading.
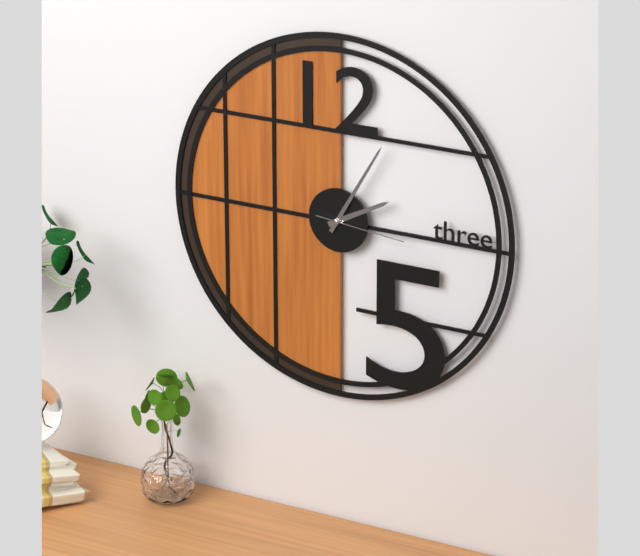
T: 2:05:16
